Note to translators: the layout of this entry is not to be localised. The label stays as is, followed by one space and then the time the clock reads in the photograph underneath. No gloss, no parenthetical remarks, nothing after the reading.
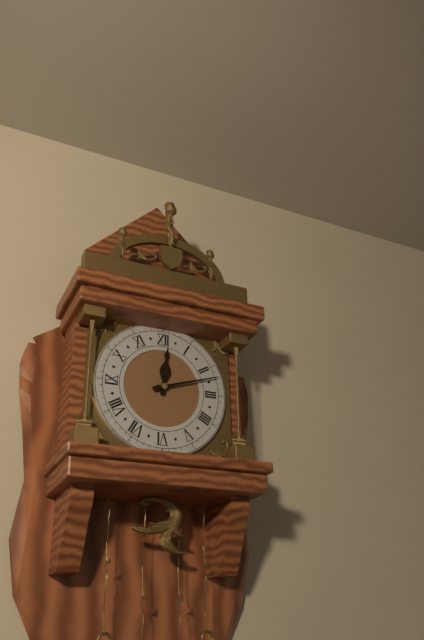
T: 12:12
